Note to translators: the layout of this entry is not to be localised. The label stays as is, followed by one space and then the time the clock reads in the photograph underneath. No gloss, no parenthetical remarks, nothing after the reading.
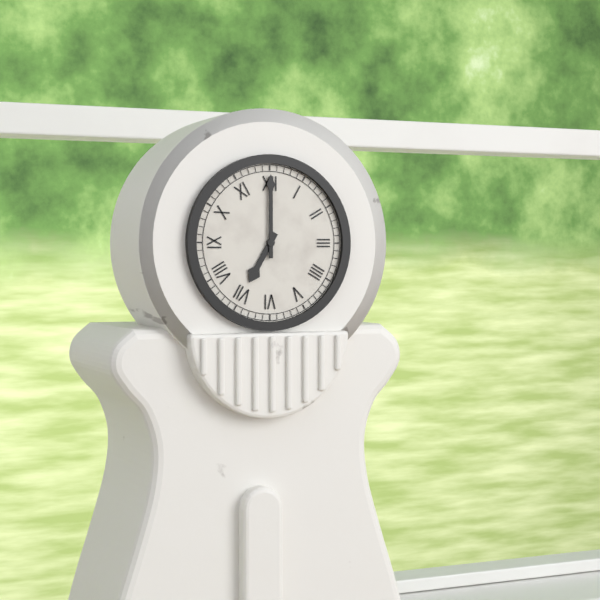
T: 7:00
